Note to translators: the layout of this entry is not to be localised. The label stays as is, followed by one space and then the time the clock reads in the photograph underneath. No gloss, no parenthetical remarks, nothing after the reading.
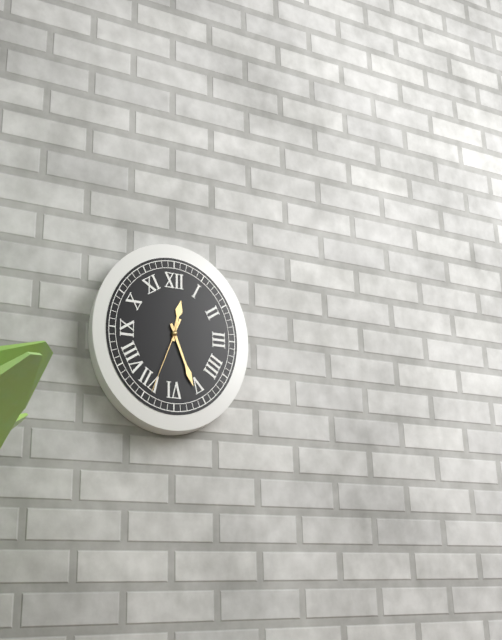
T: 12:26:34
